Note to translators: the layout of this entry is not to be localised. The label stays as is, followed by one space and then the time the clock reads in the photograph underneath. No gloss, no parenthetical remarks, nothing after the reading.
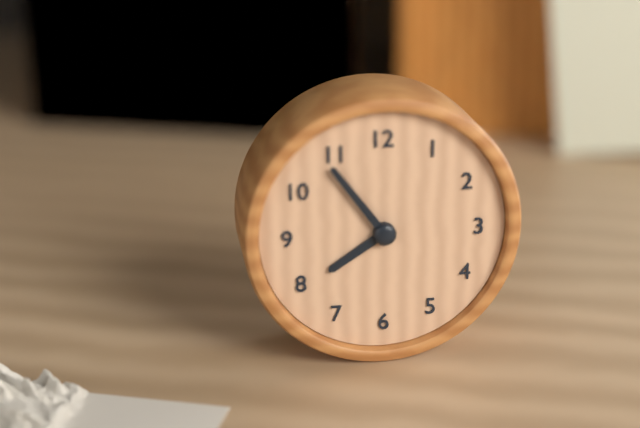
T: 7:54
